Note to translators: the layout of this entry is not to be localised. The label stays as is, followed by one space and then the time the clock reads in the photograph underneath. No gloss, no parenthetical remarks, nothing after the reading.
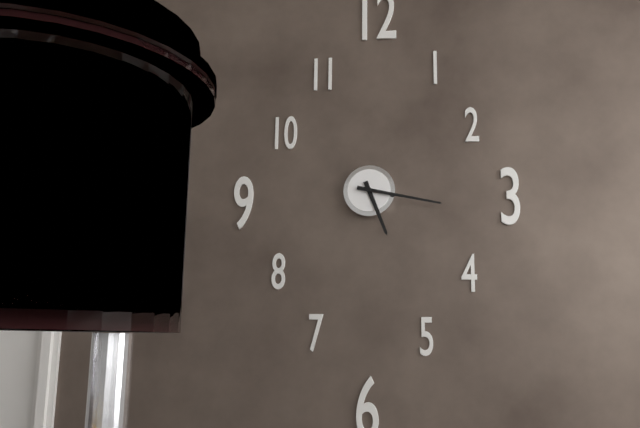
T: 5:17
